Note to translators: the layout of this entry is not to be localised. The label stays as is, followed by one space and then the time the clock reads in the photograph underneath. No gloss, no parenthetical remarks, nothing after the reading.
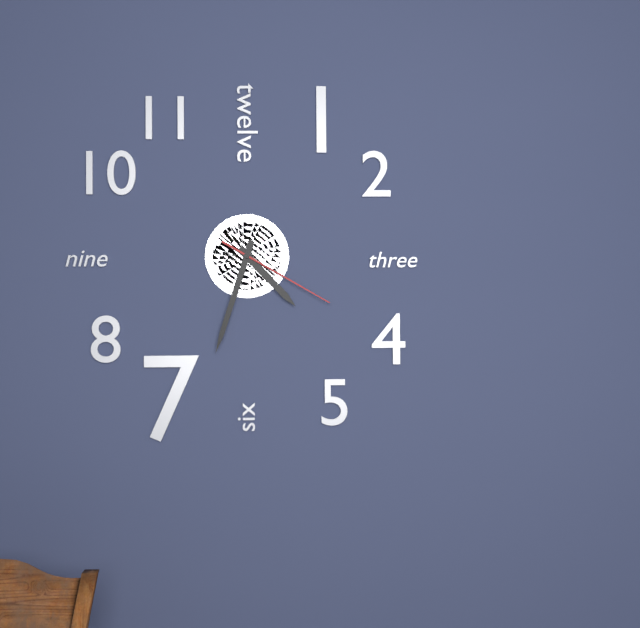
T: 4:33:20
